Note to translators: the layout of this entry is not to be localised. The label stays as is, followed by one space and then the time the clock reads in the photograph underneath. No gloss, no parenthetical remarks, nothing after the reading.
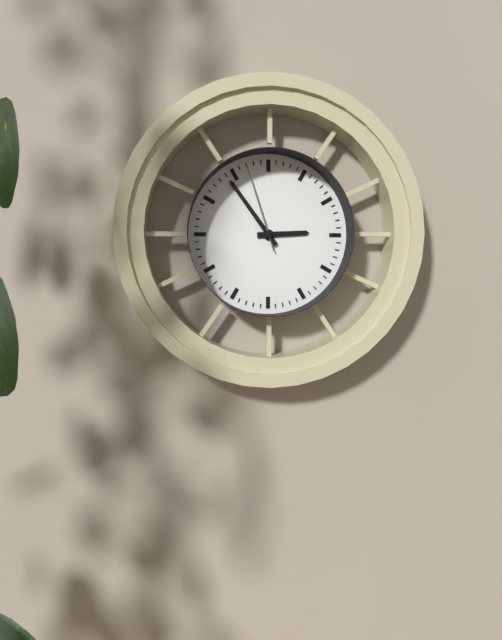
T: 2:54:57
